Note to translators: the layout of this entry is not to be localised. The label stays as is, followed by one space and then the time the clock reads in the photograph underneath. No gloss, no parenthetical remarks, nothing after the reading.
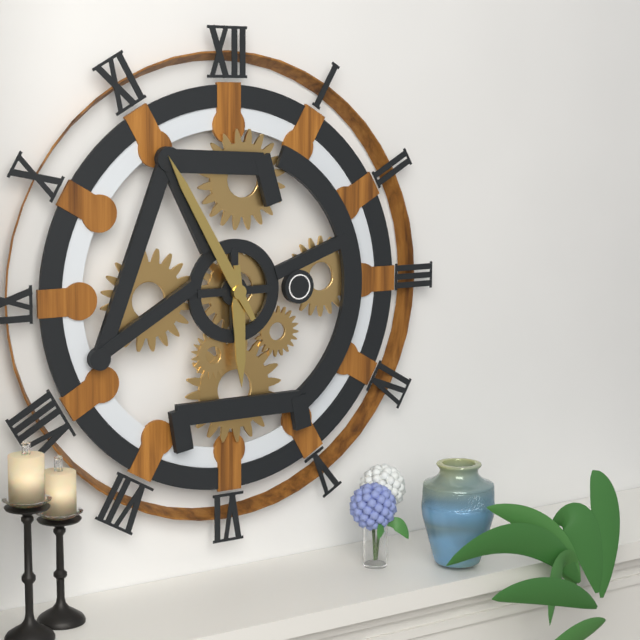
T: 5:55
